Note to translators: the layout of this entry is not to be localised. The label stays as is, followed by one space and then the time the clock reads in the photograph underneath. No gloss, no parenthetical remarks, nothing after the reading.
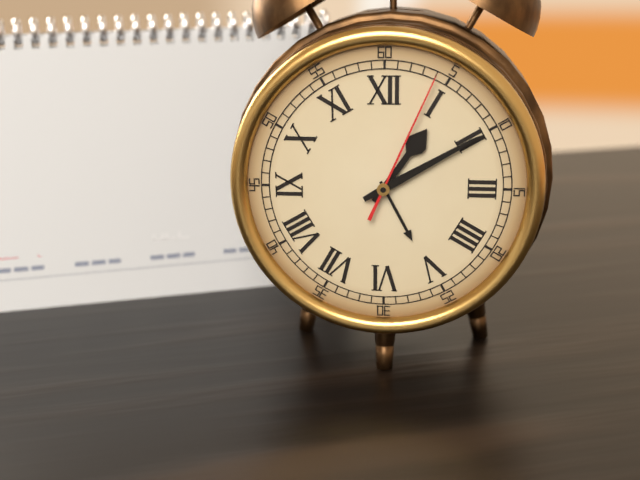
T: 1:10:04
